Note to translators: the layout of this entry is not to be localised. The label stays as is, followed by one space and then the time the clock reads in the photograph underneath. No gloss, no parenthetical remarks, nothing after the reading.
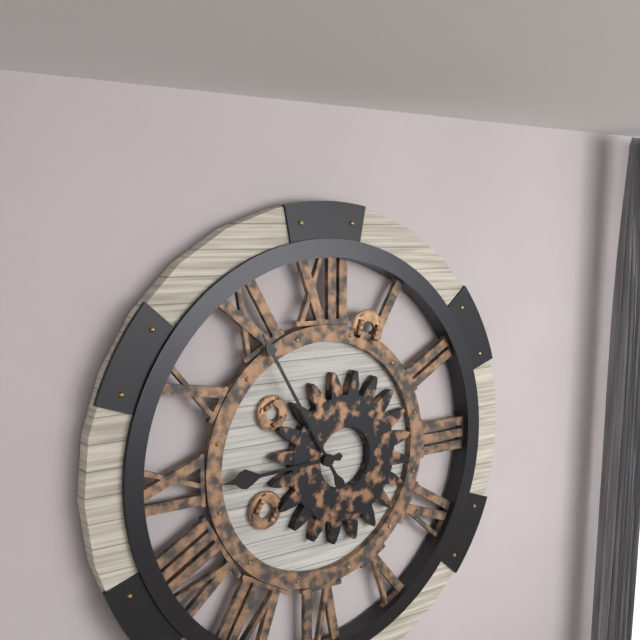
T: 8:55
